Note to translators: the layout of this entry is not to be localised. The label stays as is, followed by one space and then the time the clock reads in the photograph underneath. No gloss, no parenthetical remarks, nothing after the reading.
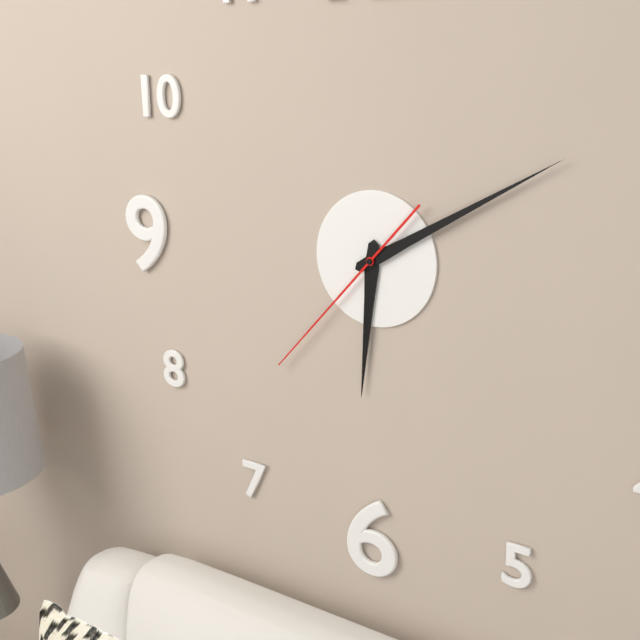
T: 6:10:37
